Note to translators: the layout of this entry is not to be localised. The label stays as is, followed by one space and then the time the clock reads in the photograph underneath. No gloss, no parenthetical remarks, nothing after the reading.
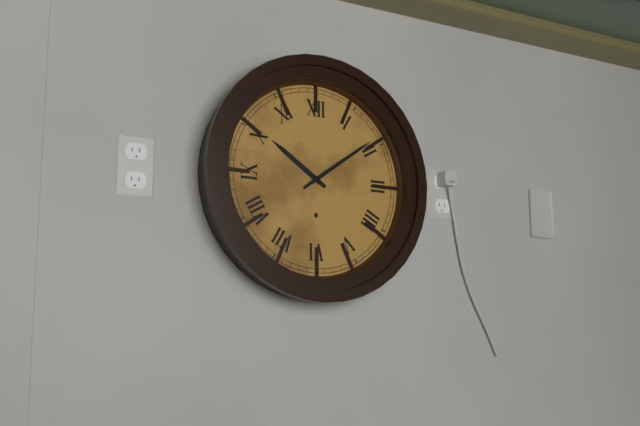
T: 10:09
